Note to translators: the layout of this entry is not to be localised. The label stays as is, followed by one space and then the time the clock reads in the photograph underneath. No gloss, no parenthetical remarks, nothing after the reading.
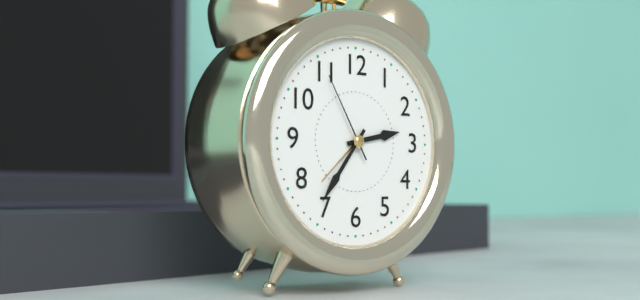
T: 2:36:55
